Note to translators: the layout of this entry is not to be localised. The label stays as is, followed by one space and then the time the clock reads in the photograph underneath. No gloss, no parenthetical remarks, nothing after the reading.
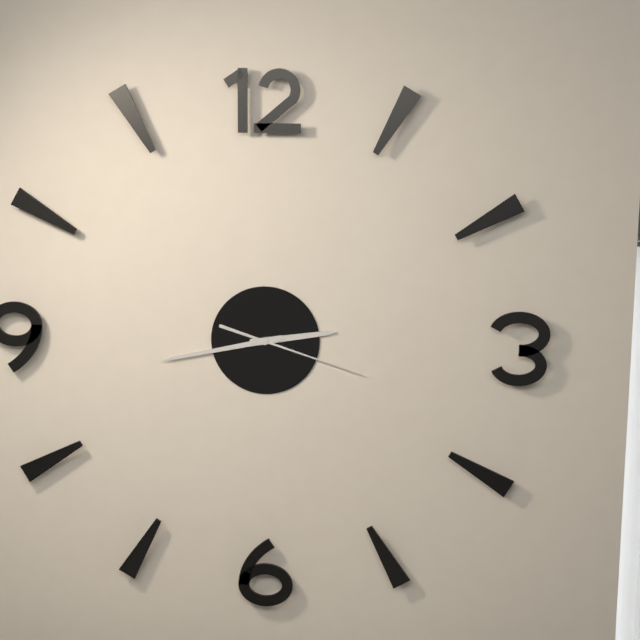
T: 2:43:18
